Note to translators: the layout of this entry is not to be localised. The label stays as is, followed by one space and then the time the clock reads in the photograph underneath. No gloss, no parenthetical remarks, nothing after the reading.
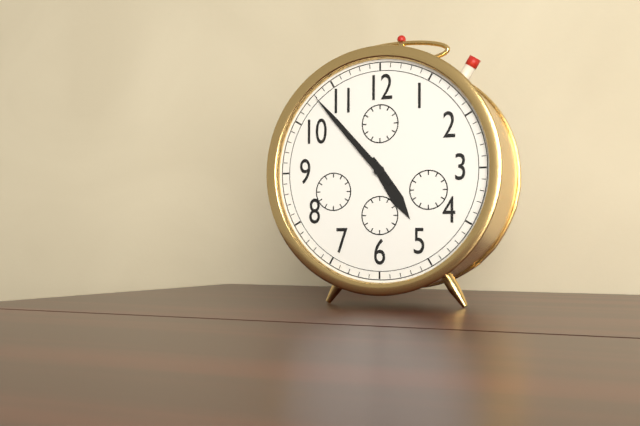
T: 4:53
